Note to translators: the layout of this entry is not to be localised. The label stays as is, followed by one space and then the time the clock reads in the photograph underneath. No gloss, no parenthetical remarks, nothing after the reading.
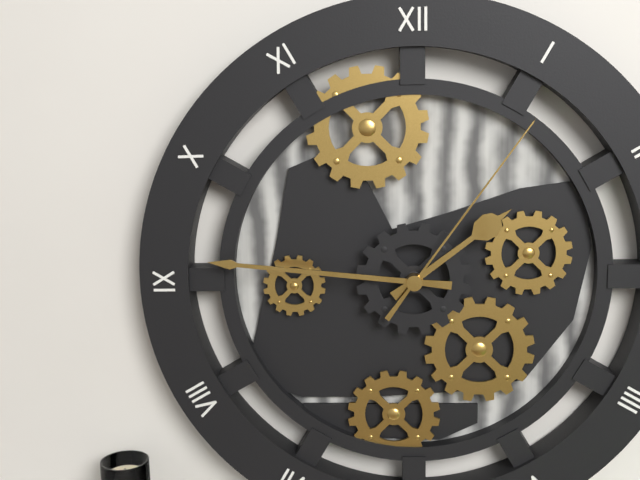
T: 1:46:06
